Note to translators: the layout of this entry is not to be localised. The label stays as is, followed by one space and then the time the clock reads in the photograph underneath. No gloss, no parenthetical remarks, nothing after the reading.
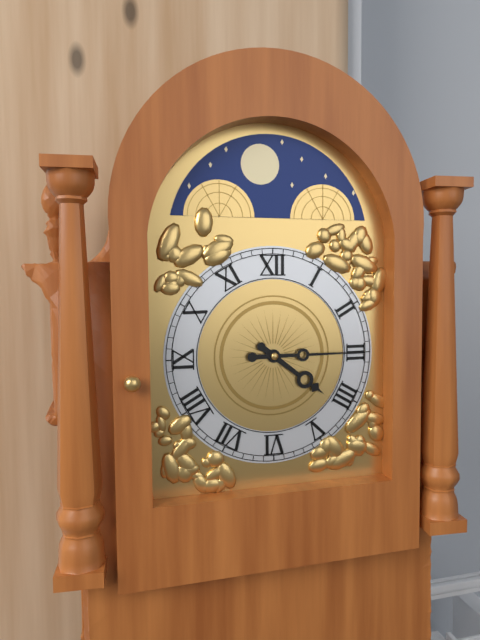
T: 4:15
